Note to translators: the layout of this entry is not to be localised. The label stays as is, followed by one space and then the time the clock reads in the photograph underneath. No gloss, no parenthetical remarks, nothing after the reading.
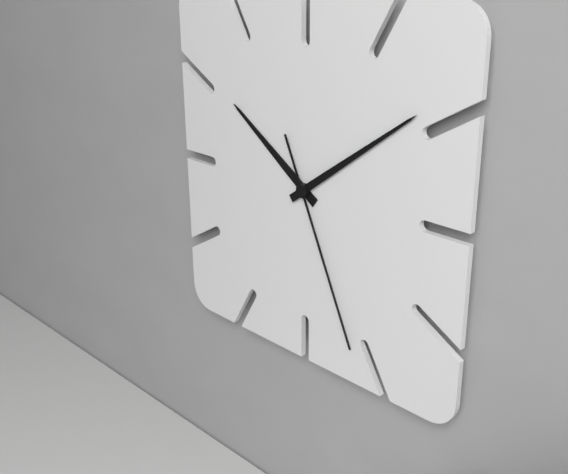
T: 10:09:26
